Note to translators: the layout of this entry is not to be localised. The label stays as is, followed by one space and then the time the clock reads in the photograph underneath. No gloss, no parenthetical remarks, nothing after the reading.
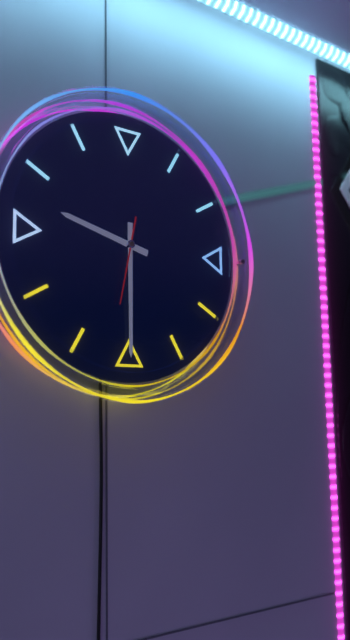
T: 9:30:32
